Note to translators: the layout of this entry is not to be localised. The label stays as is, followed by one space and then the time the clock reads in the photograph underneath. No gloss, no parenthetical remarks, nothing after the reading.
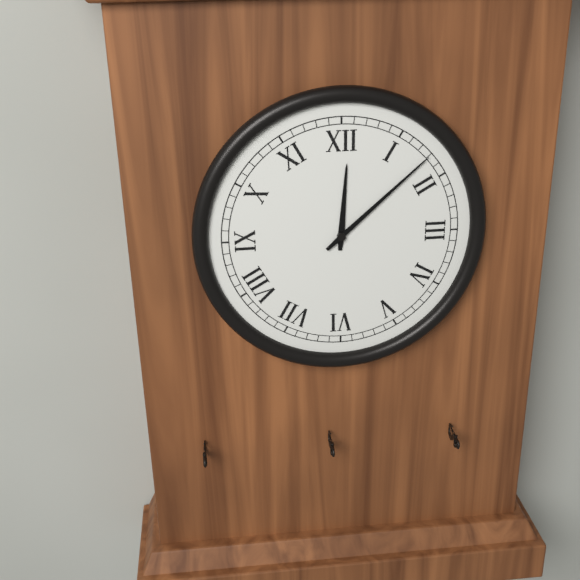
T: 12:08
